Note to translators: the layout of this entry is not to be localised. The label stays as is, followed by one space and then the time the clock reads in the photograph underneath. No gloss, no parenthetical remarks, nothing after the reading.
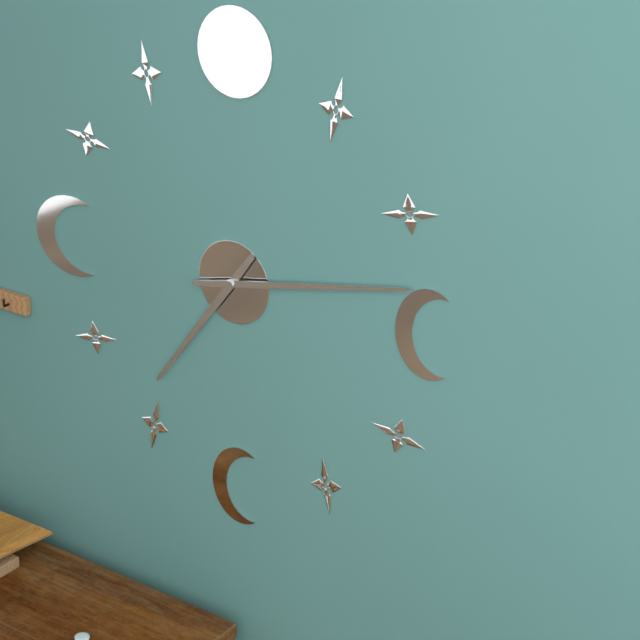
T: 7:13
